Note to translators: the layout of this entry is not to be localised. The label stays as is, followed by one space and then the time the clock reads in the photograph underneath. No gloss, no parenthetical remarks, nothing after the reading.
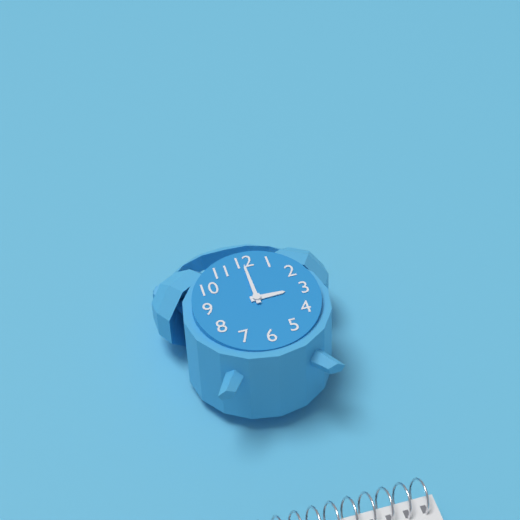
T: 3:00
